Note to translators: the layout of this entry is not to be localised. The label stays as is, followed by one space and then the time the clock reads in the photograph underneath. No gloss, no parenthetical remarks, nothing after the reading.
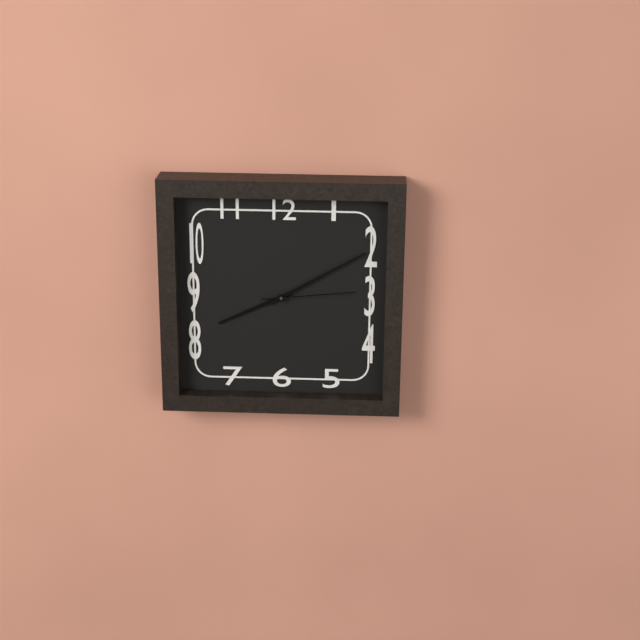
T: 8:10:14
